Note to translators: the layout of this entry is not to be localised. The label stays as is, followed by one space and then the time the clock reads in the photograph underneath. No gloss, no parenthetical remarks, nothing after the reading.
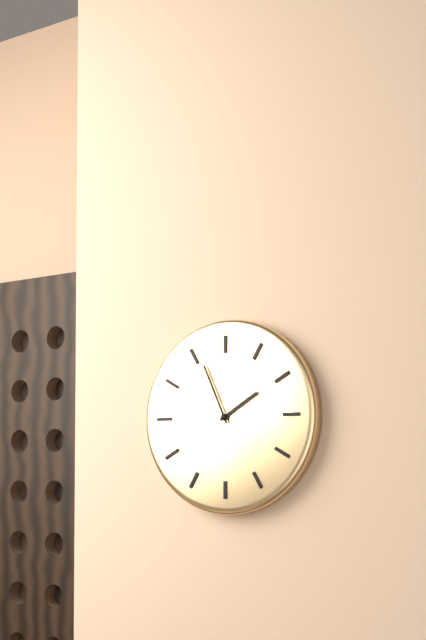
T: 1:56
